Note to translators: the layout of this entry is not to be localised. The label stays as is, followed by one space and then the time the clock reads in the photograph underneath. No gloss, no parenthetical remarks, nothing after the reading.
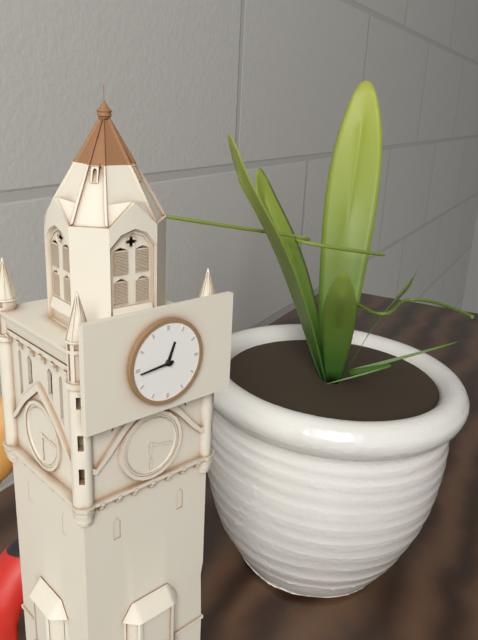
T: 12:44
